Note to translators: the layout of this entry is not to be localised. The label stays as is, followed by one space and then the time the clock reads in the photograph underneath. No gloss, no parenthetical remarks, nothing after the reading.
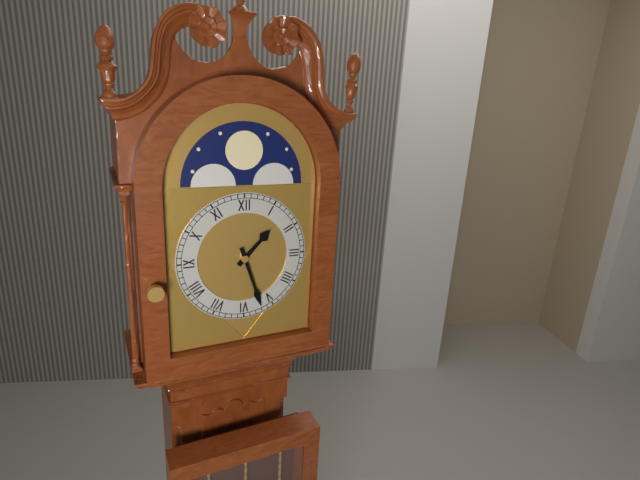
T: 1:27
